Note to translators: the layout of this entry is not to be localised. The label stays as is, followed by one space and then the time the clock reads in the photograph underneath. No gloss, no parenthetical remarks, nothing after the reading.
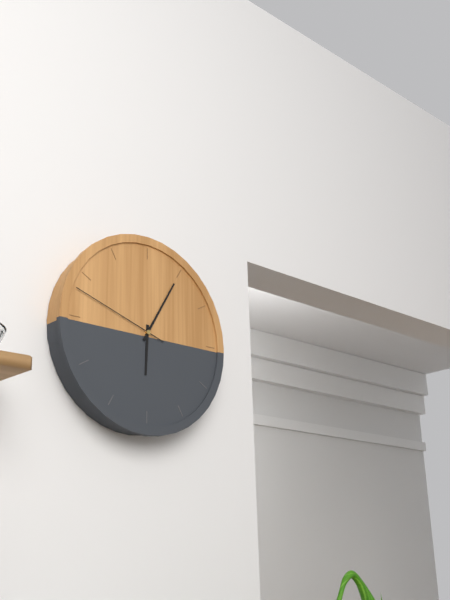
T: 6:05:48
